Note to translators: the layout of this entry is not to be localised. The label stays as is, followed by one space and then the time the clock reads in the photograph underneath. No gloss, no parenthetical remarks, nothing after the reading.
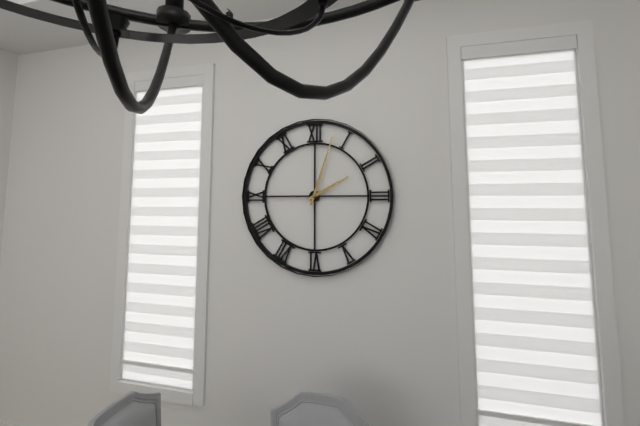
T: 2:03
